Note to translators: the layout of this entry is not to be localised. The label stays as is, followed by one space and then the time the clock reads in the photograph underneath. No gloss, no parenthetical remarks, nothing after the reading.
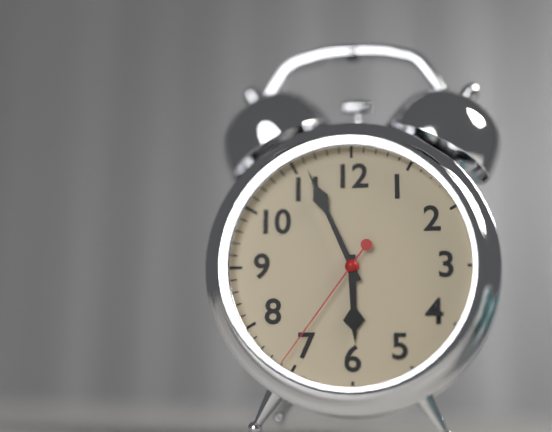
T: 5:56:36
